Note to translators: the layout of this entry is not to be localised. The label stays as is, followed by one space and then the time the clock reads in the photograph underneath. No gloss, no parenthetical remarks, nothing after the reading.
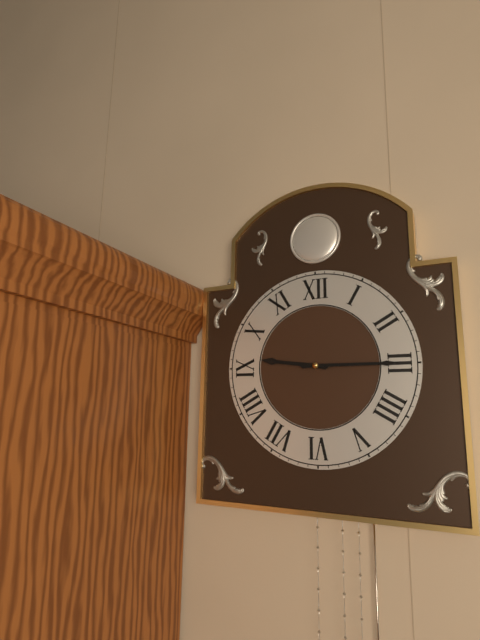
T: 9:15
